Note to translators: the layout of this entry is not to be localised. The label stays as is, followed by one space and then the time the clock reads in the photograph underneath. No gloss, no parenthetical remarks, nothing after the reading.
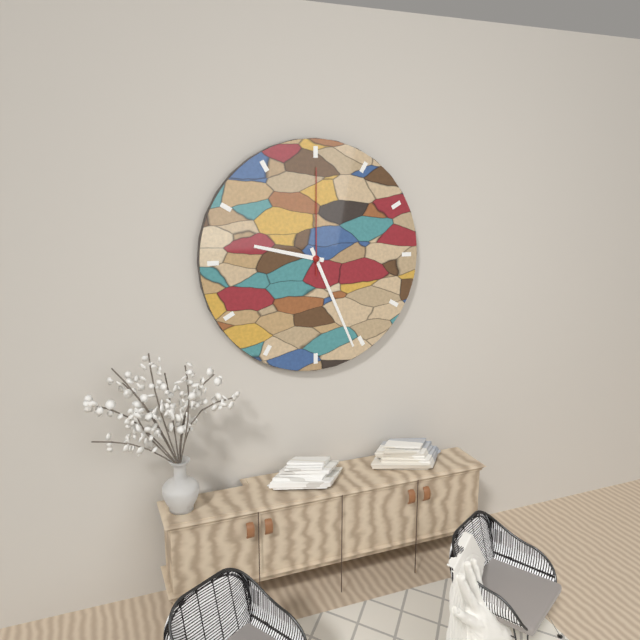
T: 9:26:00
